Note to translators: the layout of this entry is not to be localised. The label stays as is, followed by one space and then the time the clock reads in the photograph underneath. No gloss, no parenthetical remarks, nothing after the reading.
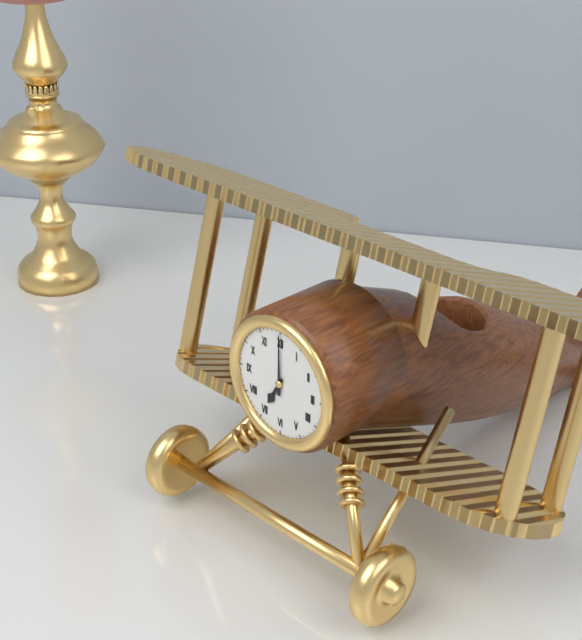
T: 7:00
